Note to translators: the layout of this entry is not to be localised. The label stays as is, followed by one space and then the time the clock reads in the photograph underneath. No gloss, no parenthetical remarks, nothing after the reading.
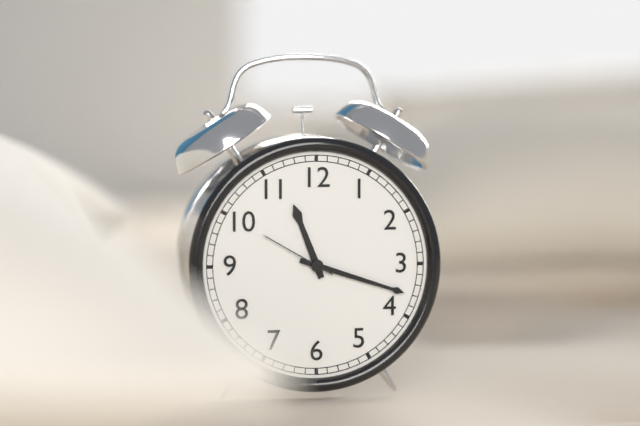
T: 11:18:50
